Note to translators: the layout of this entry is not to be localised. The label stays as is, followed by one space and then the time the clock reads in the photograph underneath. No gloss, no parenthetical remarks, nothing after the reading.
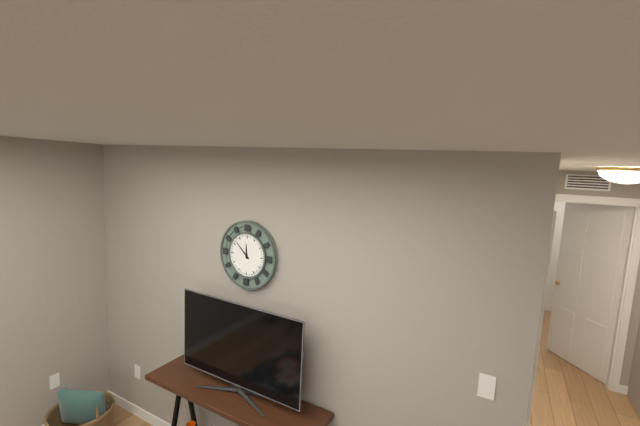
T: 11:52
